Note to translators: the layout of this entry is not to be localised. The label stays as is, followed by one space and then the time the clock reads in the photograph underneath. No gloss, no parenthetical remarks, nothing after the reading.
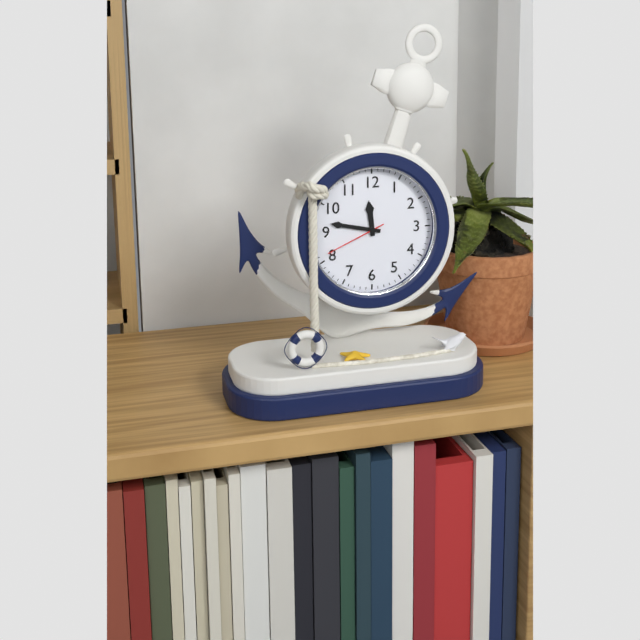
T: 11:47:41
